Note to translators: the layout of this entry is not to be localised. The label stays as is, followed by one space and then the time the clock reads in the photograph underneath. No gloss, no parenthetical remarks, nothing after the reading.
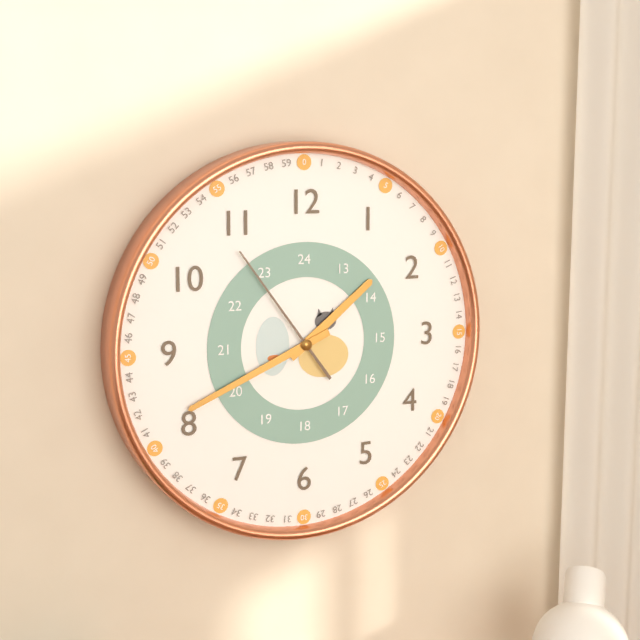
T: 1:41:54
